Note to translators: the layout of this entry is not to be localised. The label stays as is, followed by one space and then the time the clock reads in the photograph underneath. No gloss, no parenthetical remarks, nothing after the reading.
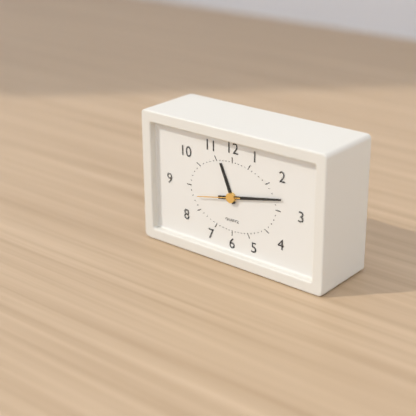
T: 11:13
